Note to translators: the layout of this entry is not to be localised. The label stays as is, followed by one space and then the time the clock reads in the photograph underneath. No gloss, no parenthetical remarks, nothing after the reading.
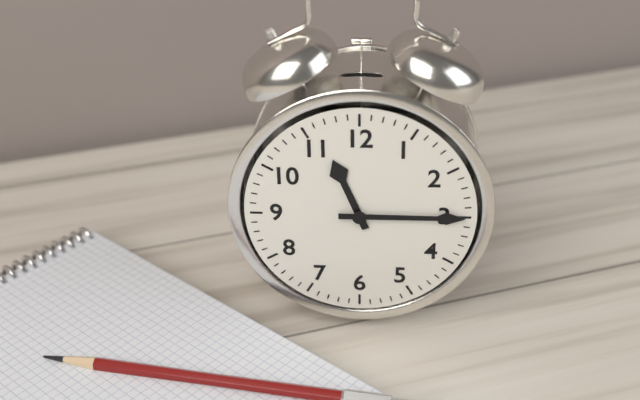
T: 11:15
